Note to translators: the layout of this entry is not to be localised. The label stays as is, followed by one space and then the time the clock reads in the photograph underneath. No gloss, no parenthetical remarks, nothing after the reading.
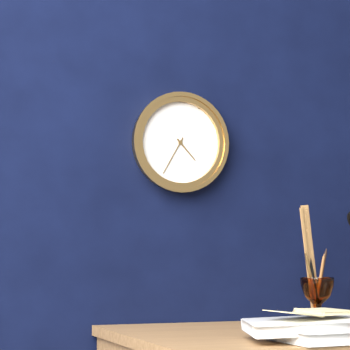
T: 4:35
